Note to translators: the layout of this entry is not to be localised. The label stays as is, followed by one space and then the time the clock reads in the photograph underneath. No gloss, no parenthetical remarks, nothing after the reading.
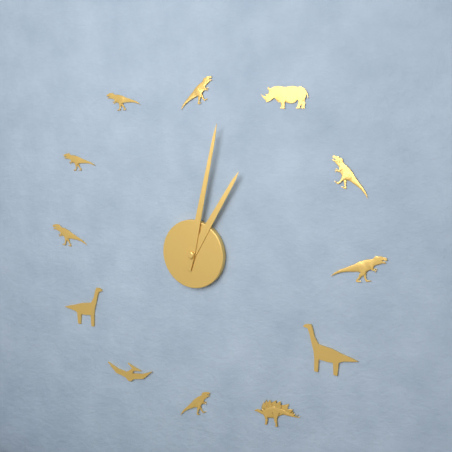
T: 1:02
